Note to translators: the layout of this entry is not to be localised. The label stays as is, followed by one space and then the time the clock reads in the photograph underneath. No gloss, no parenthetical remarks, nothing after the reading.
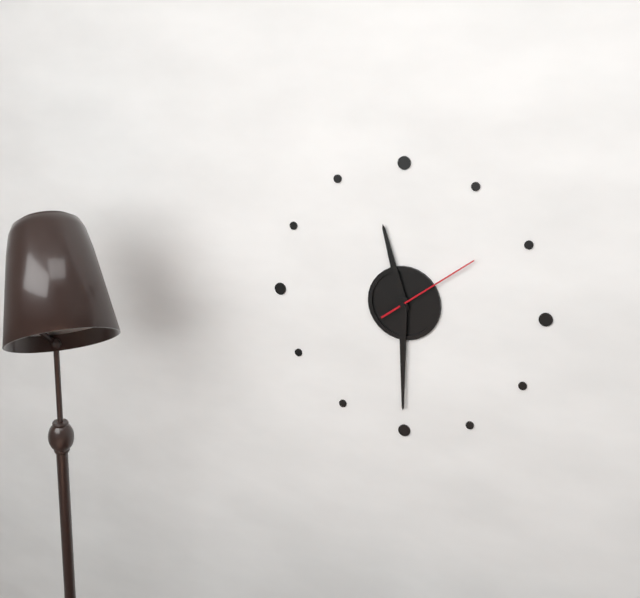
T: 11:30:09
